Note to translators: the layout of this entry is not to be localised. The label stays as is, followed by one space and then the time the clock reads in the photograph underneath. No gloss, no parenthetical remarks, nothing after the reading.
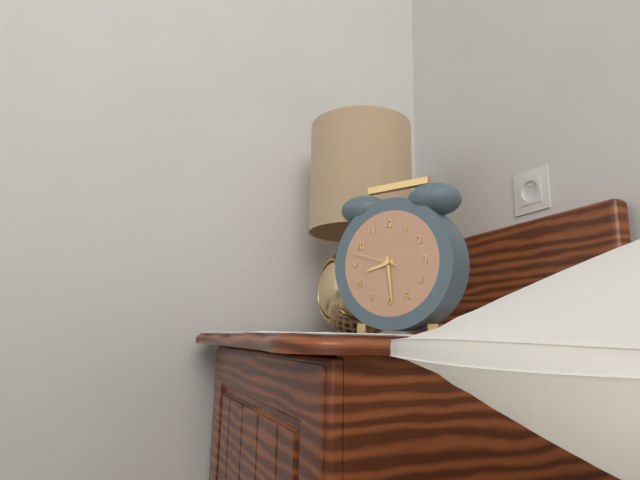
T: 8:29
